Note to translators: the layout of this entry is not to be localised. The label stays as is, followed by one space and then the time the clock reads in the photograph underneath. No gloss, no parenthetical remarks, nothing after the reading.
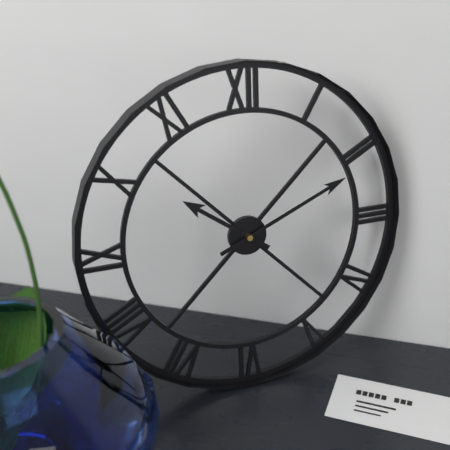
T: 10:11
